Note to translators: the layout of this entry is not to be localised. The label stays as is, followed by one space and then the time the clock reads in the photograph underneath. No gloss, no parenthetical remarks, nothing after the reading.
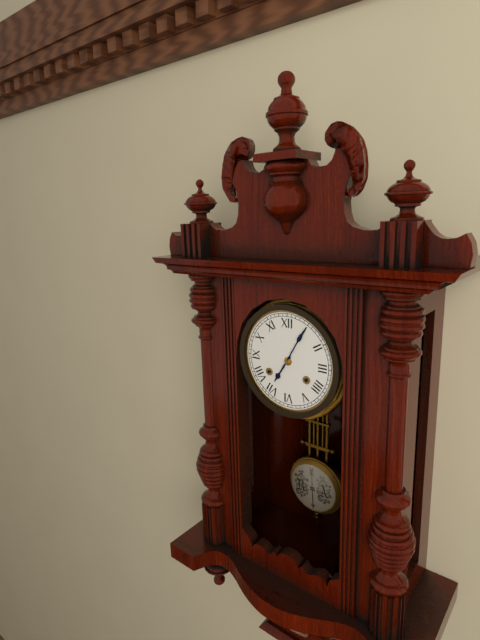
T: 7:05
